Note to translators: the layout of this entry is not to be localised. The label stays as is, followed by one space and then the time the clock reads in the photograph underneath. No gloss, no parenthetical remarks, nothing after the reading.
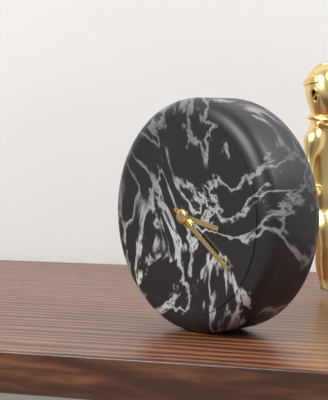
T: 3:21
